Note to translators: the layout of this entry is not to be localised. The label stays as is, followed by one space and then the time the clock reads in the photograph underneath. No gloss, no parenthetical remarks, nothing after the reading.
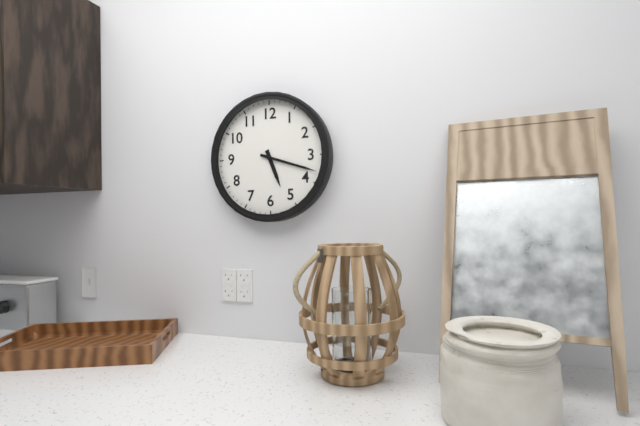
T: 5:18
